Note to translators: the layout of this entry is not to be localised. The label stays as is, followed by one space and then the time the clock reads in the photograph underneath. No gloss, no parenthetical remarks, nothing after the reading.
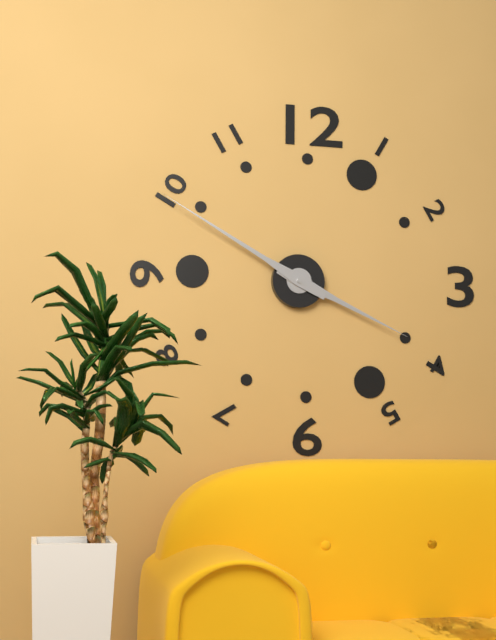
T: 3:50
